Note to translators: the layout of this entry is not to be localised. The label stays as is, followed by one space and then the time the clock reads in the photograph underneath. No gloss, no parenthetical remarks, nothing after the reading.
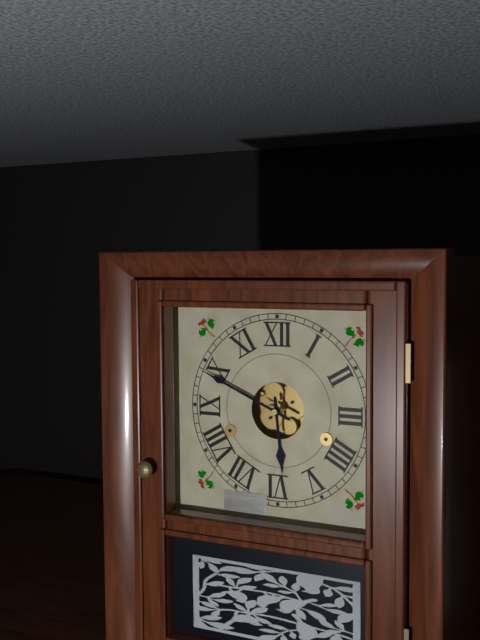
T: 5:49
